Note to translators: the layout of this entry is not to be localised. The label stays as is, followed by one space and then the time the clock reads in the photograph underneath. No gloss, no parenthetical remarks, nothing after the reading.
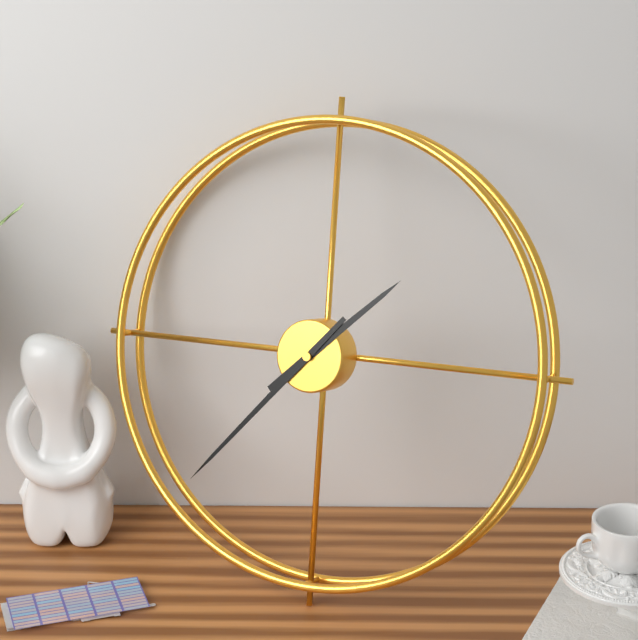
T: 1:37
